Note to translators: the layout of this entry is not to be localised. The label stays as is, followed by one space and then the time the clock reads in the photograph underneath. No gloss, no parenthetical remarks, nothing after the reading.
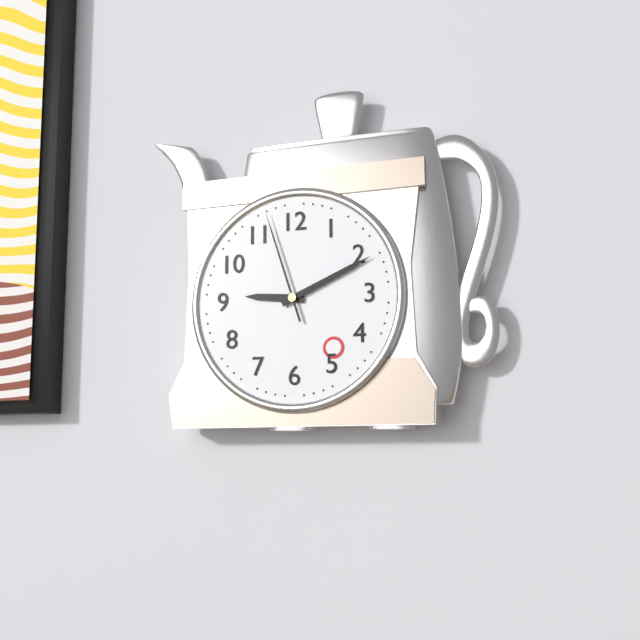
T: 9:11:57
